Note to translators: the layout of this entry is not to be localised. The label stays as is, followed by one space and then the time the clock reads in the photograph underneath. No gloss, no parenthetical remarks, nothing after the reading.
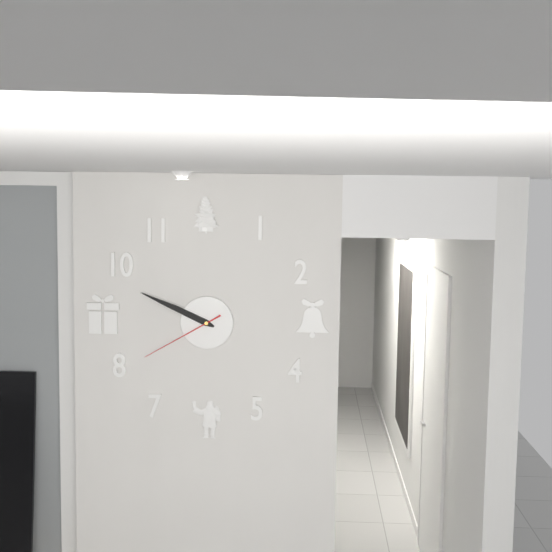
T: 9:49:40
